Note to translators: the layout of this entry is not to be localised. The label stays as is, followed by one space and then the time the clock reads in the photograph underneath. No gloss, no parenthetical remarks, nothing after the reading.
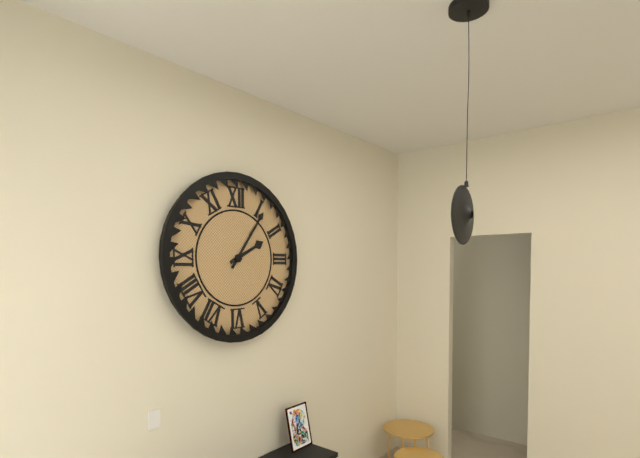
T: 2:06
